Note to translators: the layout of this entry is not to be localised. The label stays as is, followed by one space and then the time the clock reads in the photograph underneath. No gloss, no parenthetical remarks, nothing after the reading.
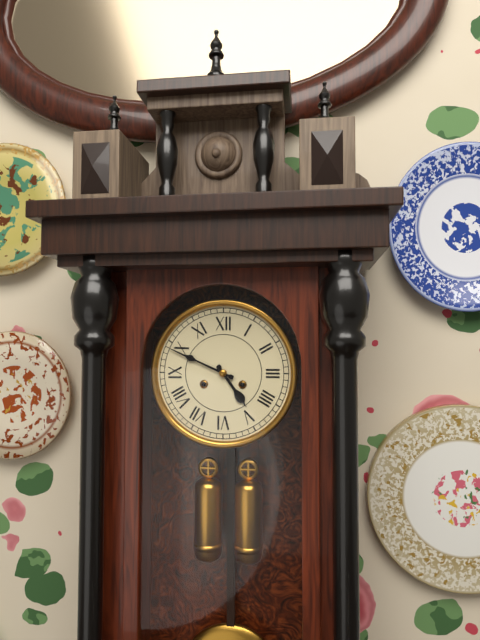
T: 4:49
